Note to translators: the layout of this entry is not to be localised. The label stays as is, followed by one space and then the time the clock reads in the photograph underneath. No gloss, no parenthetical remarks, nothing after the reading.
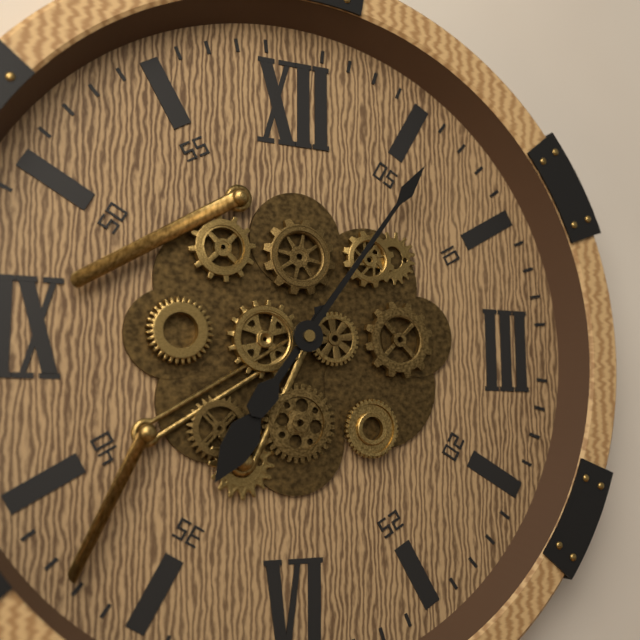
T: 7:06
